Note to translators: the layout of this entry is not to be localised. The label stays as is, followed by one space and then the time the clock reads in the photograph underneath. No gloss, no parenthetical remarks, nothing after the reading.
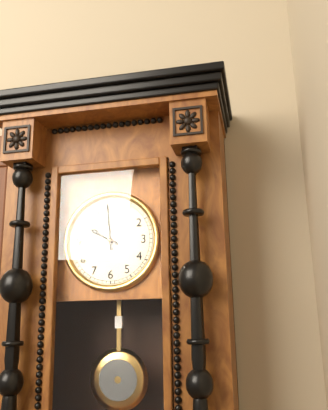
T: 9:59
